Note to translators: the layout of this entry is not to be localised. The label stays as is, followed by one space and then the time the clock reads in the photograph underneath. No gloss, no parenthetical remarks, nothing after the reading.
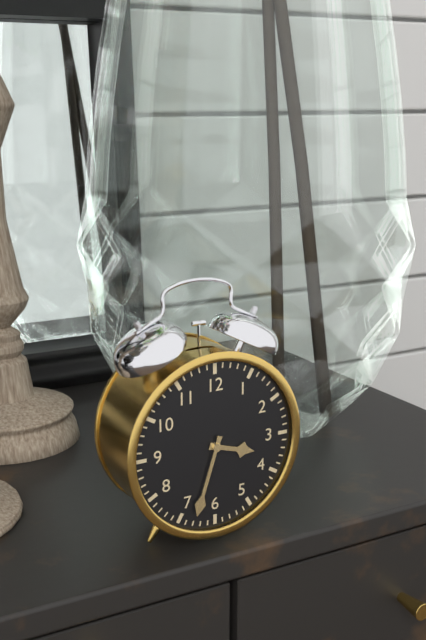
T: 3:33
